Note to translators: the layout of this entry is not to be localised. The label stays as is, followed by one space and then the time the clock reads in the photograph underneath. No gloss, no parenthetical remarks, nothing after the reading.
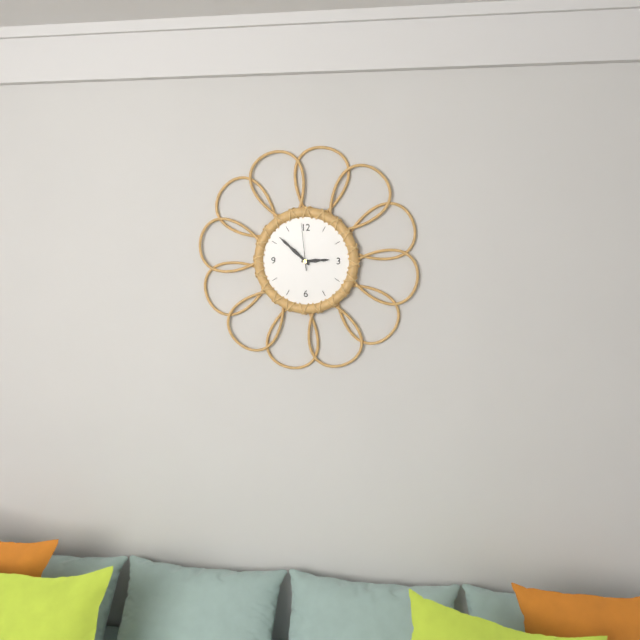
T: 2:52
